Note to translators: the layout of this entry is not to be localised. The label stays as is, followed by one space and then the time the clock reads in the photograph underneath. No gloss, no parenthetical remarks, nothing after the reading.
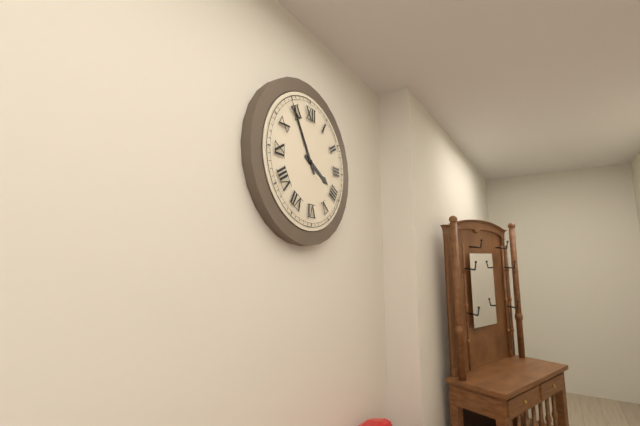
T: 3:55
